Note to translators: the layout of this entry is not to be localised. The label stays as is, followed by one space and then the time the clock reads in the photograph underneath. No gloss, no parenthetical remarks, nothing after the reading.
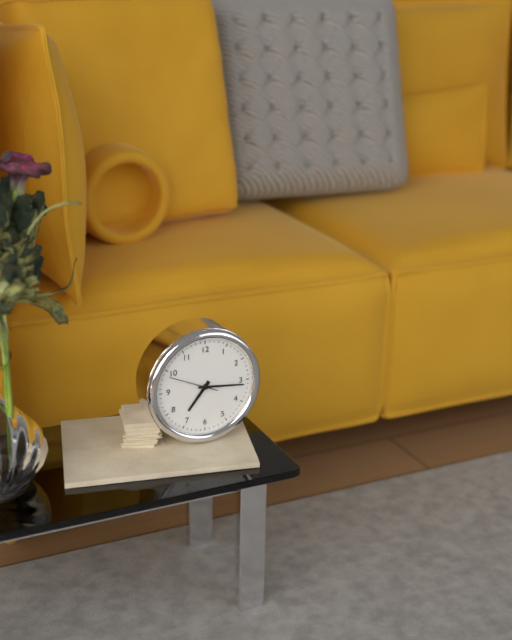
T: 7:16
